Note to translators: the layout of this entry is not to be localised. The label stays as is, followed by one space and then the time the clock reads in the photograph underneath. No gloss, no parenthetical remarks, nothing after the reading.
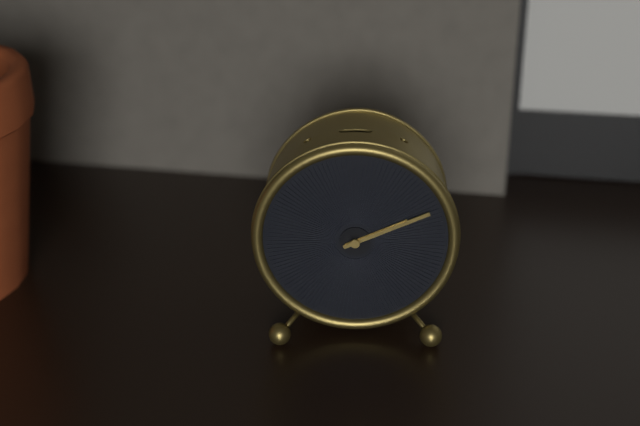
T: 2:11
